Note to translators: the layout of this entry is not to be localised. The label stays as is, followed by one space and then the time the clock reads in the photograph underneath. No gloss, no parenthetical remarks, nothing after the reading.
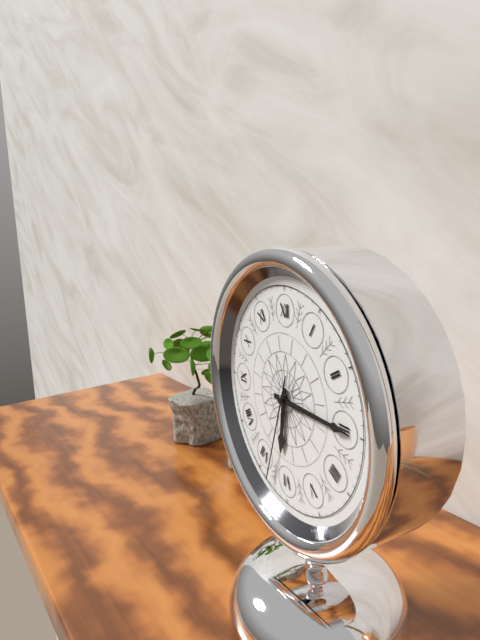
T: 6:15:33
